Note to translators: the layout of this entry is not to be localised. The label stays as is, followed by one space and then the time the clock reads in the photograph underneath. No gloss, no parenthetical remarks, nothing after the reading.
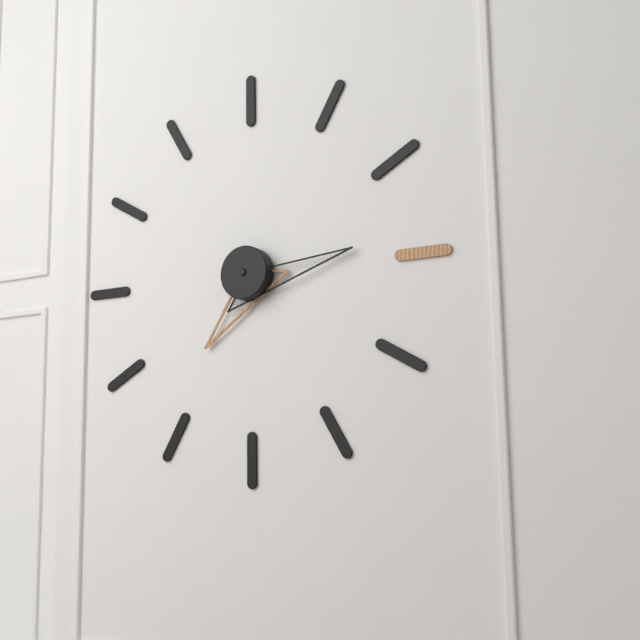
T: 7:14
